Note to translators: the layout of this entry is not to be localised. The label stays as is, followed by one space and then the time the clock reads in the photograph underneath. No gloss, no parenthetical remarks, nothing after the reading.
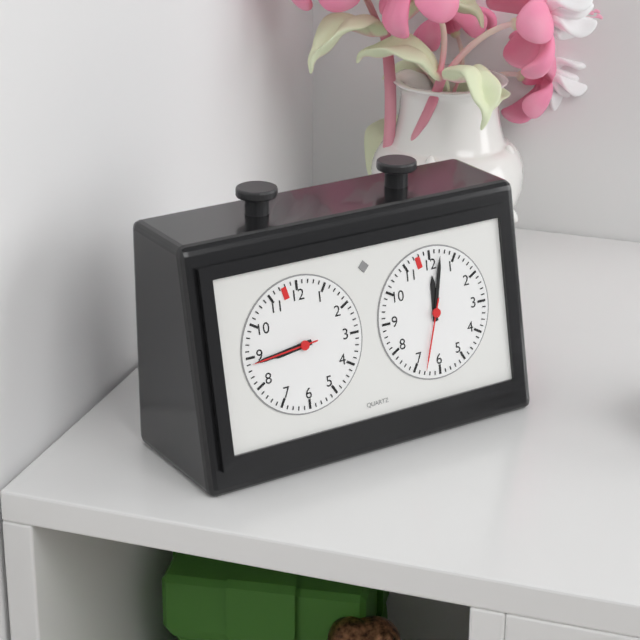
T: 8:44:44
